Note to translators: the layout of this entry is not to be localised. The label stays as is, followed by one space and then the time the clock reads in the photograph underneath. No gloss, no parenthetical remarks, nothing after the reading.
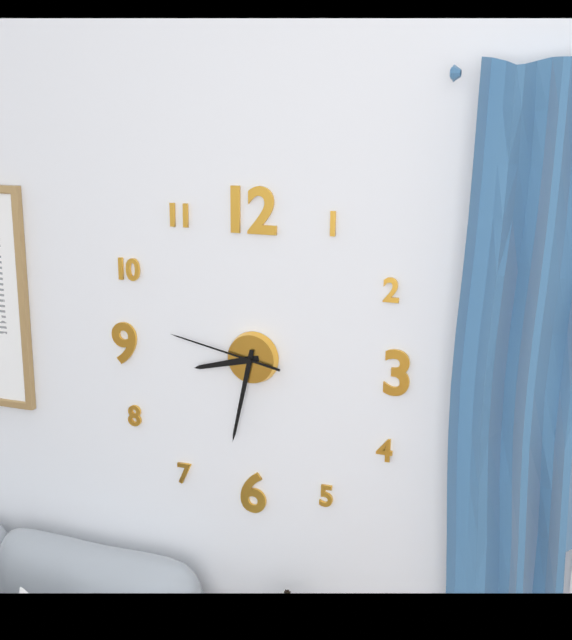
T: 8:32:47
